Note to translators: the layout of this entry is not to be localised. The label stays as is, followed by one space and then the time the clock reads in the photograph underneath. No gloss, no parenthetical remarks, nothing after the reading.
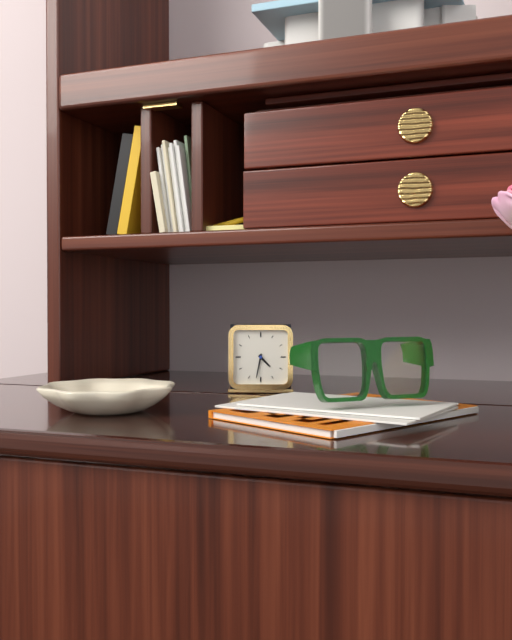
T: 4:32
